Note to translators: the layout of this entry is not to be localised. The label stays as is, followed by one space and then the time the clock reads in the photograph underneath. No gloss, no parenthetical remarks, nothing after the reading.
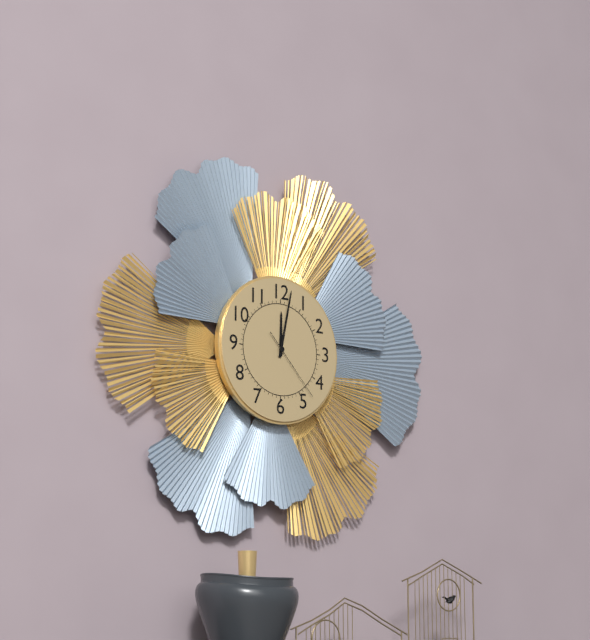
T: 12:02:23
